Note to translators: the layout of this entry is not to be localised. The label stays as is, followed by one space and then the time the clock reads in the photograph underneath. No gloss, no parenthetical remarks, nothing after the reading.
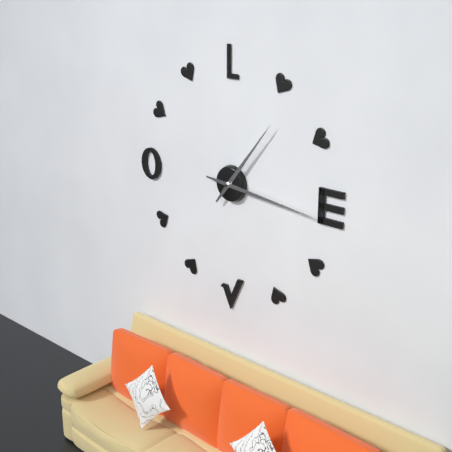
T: 1:16
